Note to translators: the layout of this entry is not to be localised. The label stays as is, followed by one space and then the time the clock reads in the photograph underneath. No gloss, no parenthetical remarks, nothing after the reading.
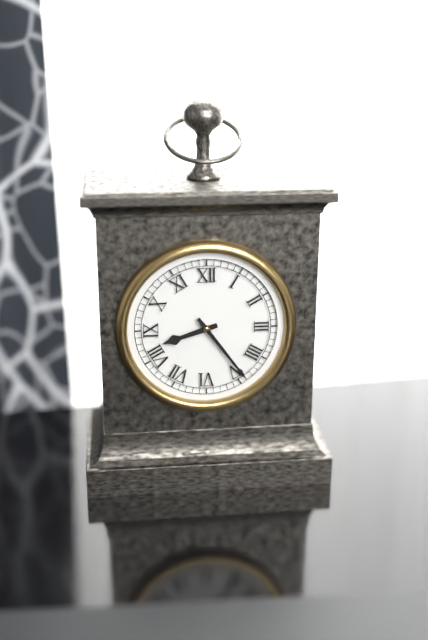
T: 8:24
